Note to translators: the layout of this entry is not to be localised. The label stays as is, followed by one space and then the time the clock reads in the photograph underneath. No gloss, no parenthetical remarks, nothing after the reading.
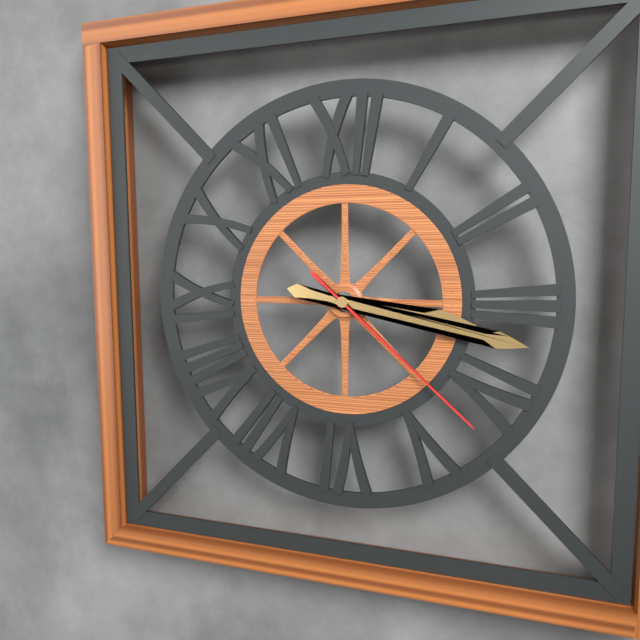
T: 3:17:22
